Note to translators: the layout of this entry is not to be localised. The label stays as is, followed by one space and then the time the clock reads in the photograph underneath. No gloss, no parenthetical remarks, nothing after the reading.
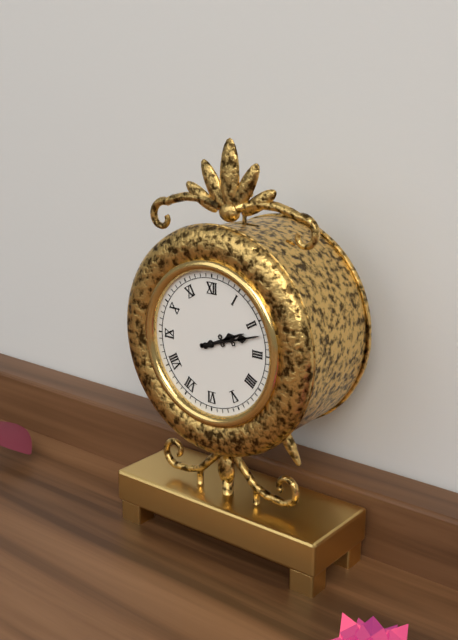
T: 2:12
